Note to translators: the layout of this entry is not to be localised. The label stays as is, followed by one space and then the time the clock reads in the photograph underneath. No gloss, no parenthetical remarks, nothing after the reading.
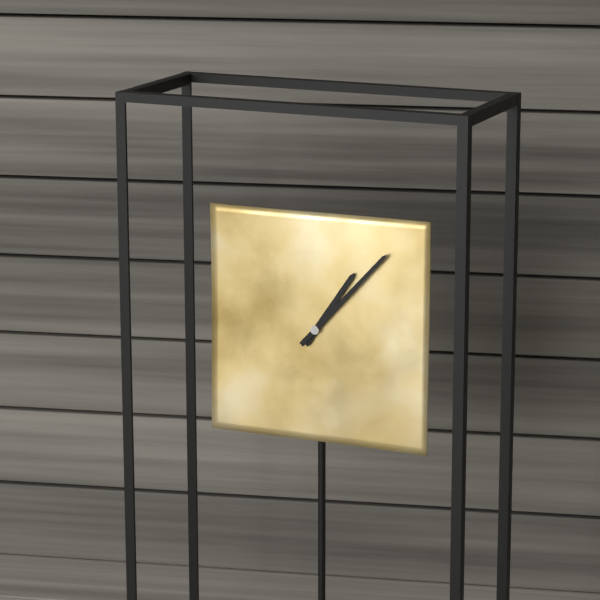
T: 1:07
